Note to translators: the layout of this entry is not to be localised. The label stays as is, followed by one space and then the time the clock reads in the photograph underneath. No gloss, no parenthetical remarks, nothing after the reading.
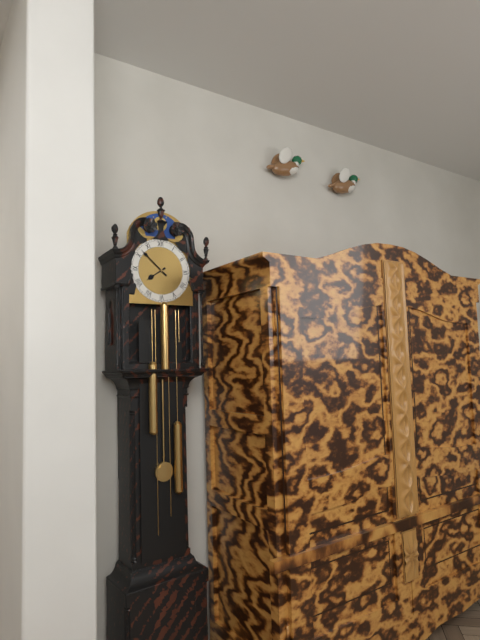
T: 7:52
